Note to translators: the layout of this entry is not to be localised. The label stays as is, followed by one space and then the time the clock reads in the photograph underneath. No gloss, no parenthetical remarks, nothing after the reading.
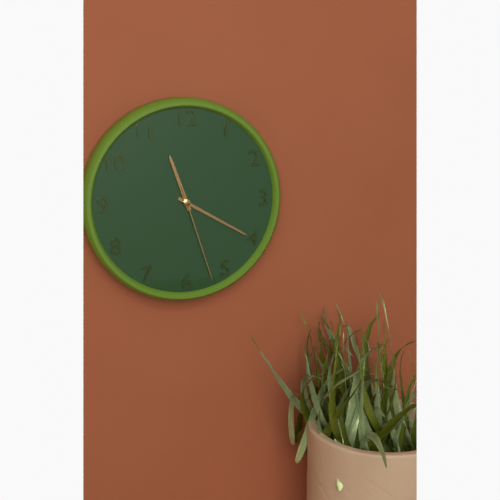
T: 11:20:27
